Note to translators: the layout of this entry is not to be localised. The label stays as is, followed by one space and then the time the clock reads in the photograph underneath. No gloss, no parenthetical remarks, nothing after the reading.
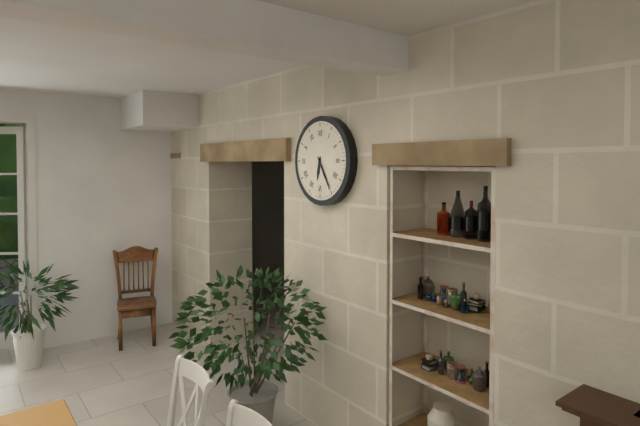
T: 6:25
